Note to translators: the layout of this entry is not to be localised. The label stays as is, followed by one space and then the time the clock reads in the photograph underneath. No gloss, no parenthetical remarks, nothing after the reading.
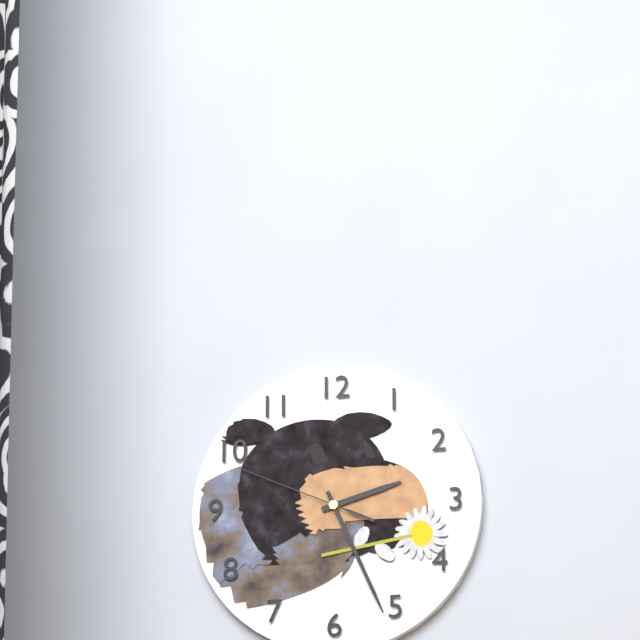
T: 2:26:49
